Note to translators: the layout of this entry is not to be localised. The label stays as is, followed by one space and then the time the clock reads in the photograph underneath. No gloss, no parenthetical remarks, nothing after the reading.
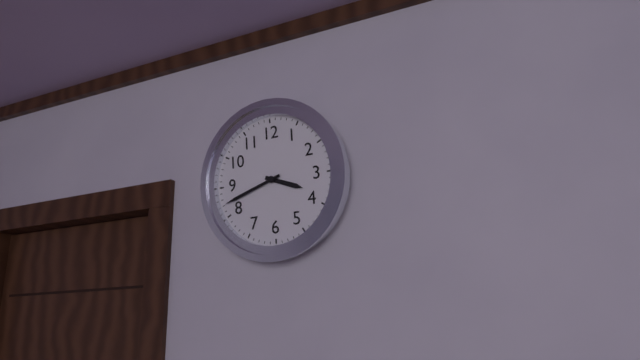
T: 3:42
